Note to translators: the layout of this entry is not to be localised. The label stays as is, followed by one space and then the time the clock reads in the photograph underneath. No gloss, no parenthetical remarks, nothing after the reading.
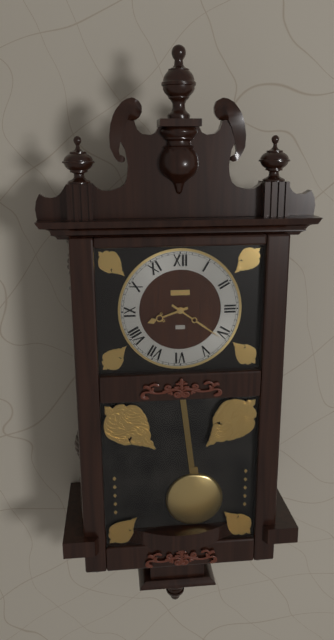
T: 8:21
